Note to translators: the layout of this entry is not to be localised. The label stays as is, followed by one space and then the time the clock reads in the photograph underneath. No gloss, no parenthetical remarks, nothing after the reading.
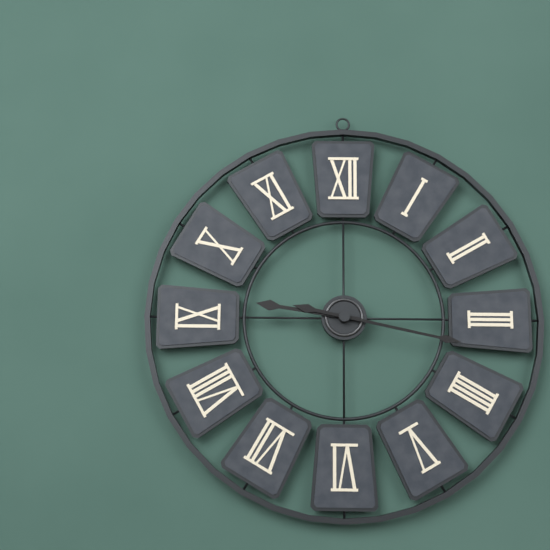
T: 9:17
